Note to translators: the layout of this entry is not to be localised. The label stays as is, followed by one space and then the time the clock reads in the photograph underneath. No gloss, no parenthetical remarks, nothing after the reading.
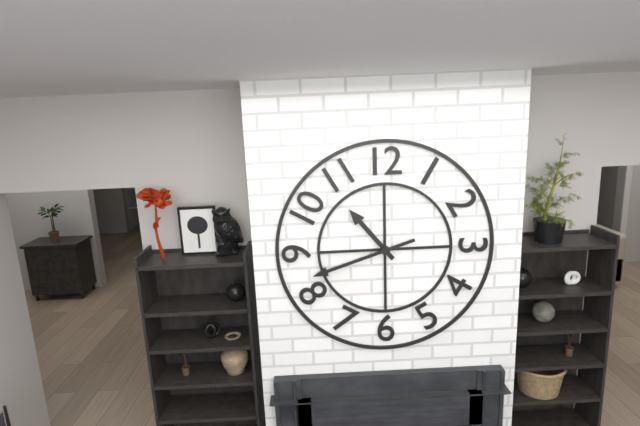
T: 10:42
